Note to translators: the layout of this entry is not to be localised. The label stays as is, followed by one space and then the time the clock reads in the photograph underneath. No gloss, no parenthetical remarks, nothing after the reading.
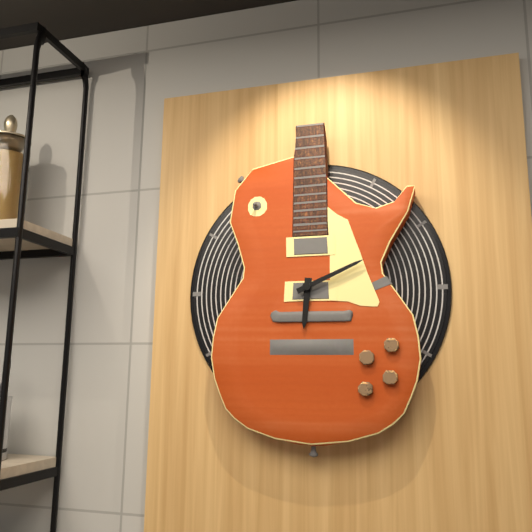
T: 6:11
